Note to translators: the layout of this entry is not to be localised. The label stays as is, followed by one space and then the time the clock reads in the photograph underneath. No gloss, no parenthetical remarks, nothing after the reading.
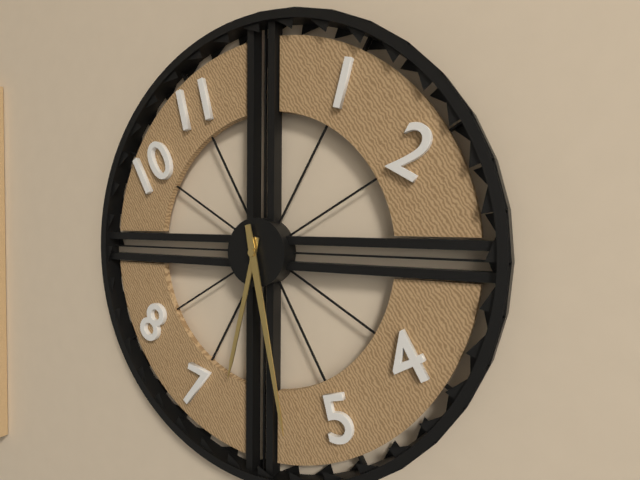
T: 6:28
